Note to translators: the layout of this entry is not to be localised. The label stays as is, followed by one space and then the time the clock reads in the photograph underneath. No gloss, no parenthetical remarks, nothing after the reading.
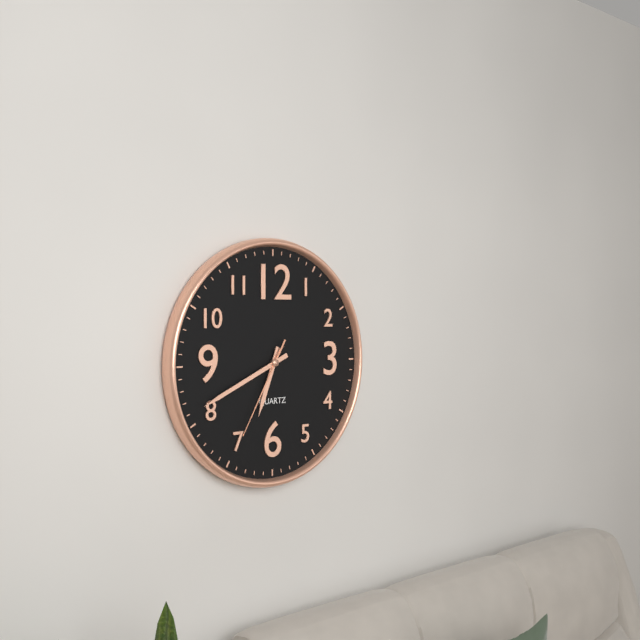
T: 6:41:35
